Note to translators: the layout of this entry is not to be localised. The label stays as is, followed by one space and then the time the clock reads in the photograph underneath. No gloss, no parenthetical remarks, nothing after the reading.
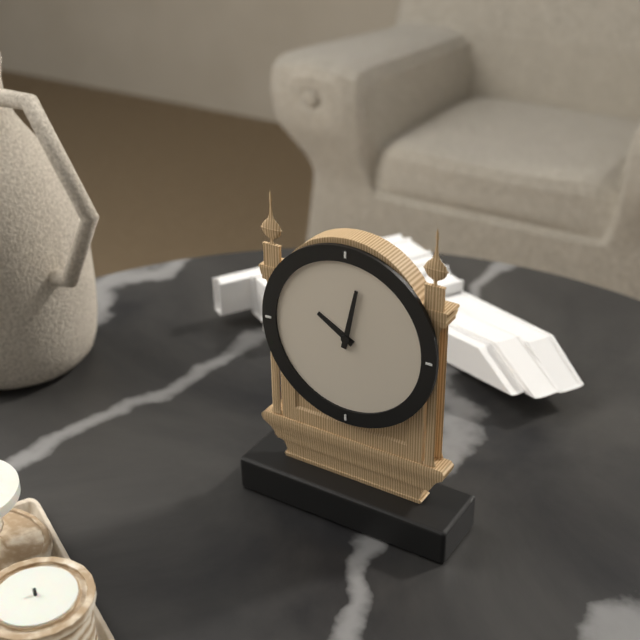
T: 10:02
